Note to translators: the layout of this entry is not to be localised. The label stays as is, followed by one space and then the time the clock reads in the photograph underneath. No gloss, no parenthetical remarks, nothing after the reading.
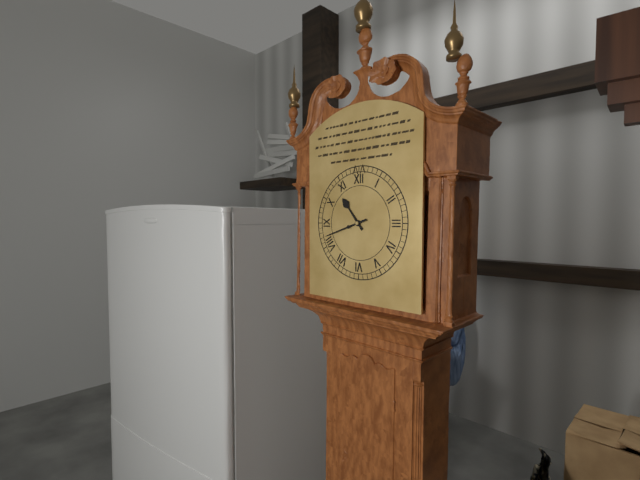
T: 10:42
